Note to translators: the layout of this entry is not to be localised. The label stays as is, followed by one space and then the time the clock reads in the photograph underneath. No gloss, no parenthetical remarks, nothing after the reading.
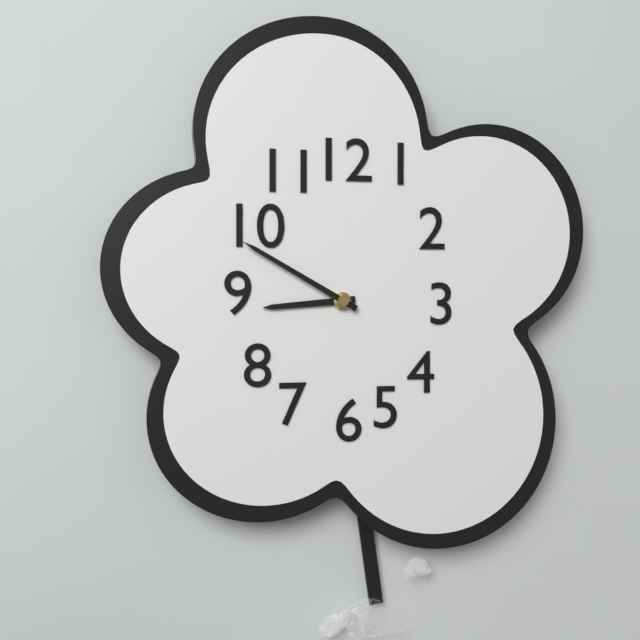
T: 8:50
